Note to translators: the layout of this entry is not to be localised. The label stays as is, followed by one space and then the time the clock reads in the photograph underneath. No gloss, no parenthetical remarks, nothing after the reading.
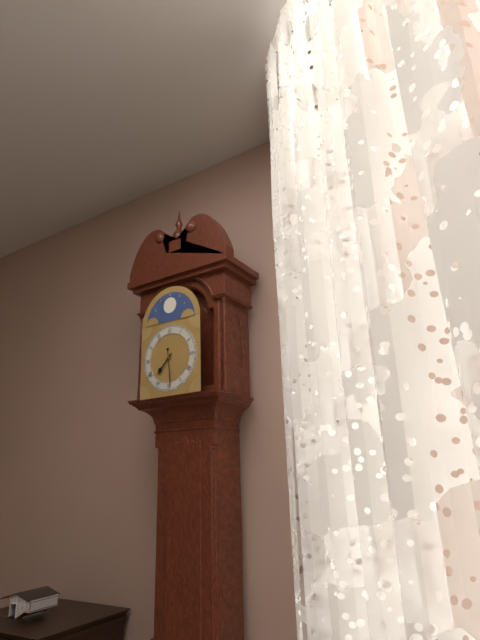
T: 7:29
